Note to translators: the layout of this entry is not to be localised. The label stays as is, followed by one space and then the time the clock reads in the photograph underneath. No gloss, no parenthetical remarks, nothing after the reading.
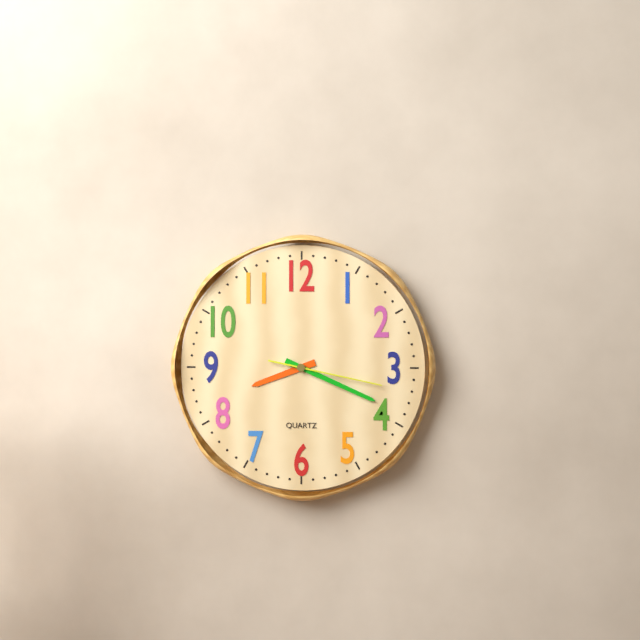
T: 8:19:17
